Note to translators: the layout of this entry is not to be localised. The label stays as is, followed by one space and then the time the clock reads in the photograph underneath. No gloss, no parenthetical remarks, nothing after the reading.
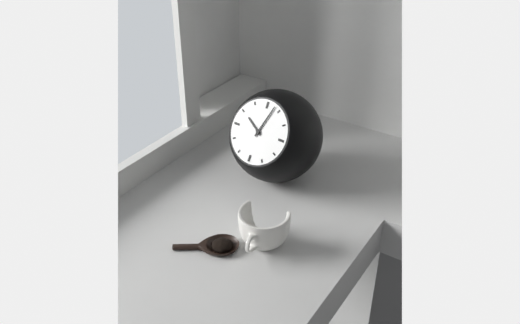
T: 10:03
